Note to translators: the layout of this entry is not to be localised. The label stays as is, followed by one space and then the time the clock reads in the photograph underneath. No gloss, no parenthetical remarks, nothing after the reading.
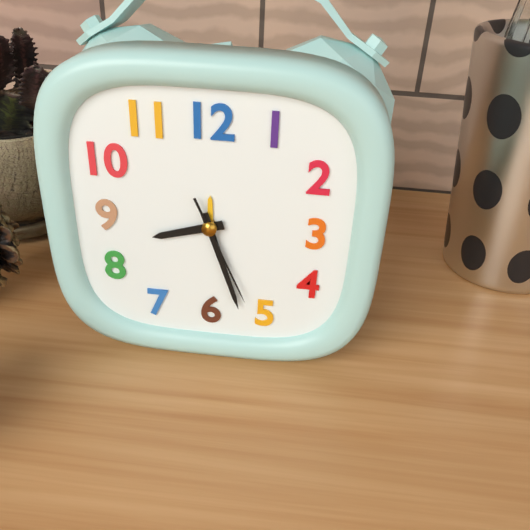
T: 8:27:26
